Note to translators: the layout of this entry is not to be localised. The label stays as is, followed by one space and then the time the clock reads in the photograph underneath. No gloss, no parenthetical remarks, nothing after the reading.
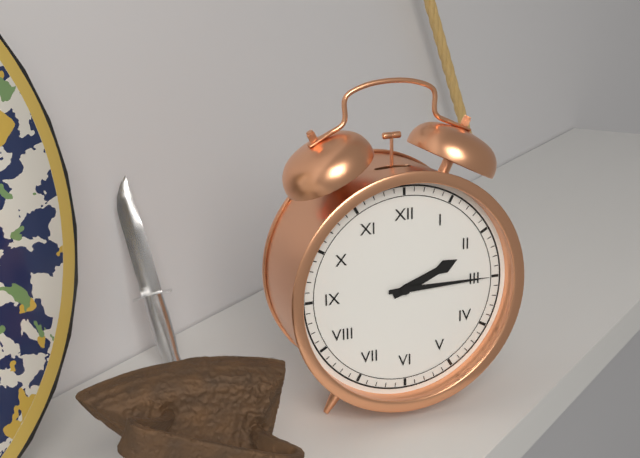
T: 2:15
